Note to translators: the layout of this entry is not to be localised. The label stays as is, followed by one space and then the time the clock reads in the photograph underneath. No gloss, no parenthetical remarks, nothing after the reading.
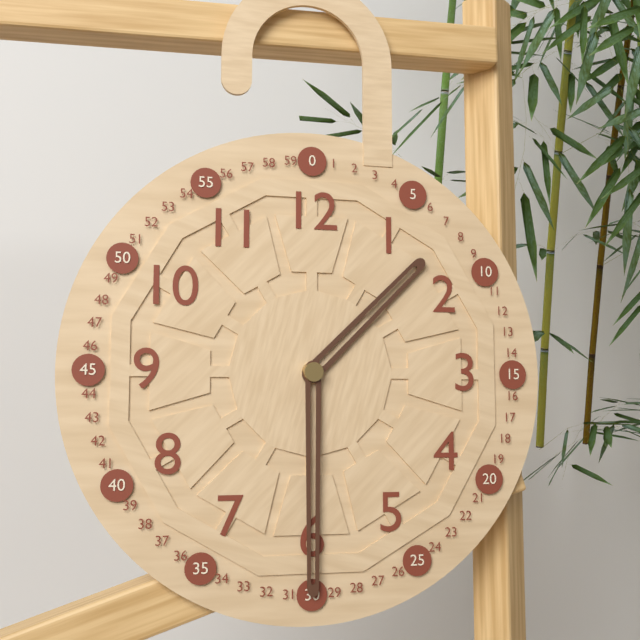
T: 1:30
